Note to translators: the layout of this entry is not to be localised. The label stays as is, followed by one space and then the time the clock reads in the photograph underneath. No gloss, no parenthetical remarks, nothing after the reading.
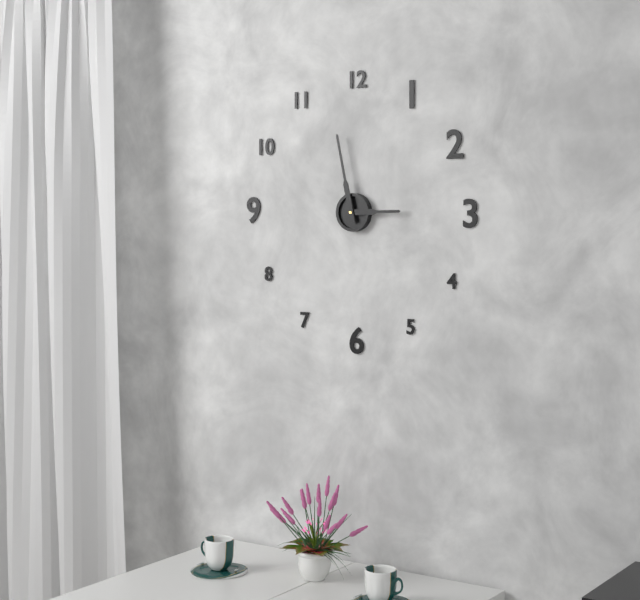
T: 2:58
